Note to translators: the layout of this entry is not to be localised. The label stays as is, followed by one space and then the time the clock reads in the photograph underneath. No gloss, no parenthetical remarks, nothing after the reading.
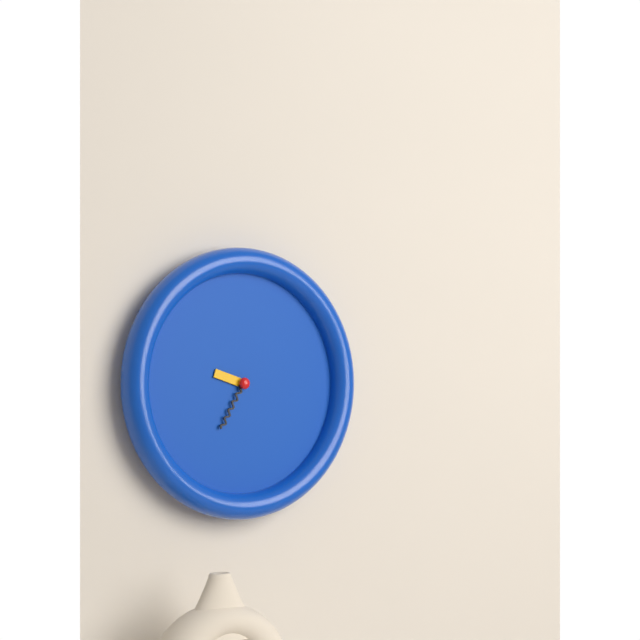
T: 9:35
